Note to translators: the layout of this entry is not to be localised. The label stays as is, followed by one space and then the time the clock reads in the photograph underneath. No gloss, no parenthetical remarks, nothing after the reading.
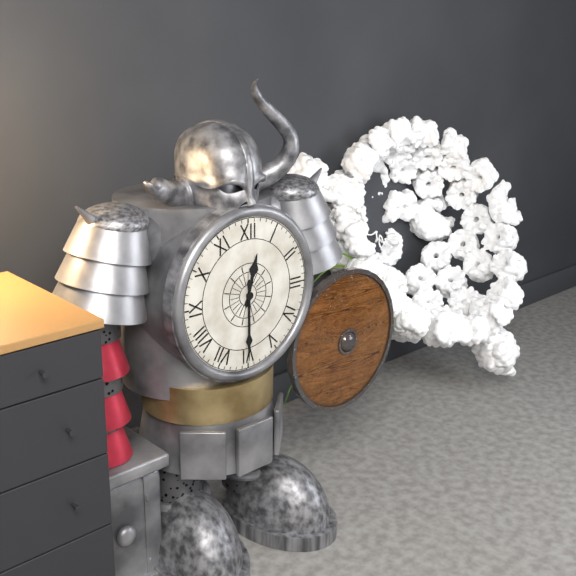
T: 12:30
